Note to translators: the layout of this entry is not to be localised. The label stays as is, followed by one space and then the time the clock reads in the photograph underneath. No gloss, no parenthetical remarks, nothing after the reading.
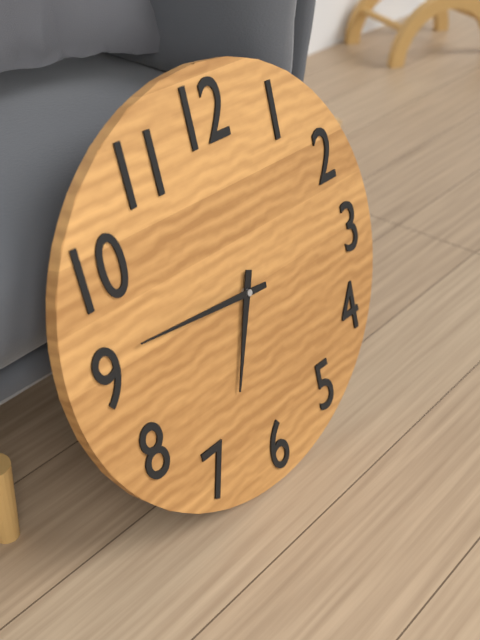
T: 6:46
